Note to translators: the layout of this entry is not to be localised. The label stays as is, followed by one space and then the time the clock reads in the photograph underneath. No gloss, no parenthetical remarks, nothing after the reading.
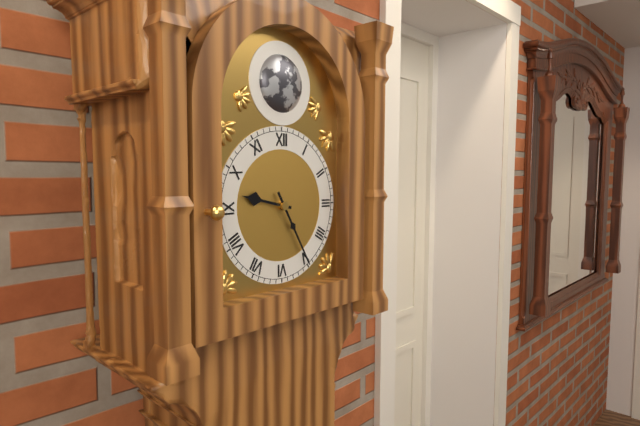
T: 9:25
